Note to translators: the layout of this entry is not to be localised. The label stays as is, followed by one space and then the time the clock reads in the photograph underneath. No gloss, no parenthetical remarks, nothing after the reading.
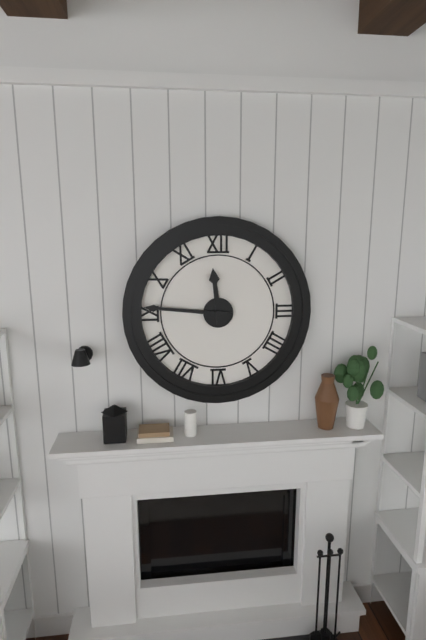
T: 11:46
